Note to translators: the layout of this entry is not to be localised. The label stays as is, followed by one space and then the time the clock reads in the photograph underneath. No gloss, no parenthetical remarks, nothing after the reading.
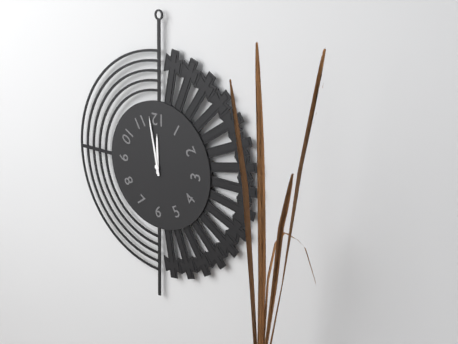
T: 11:58
